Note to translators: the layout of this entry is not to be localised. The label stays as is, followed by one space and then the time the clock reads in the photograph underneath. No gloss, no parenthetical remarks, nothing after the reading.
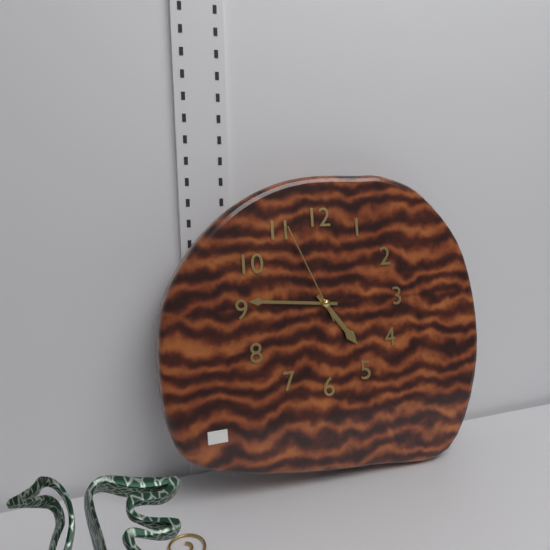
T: 4:46:56
